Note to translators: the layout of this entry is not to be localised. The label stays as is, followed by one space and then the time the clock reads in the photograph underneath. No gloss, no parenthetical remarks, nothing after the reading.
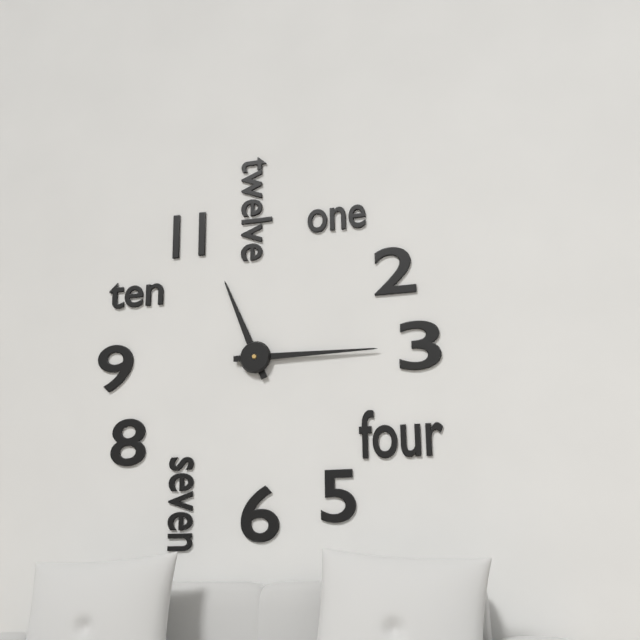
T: 11:15
